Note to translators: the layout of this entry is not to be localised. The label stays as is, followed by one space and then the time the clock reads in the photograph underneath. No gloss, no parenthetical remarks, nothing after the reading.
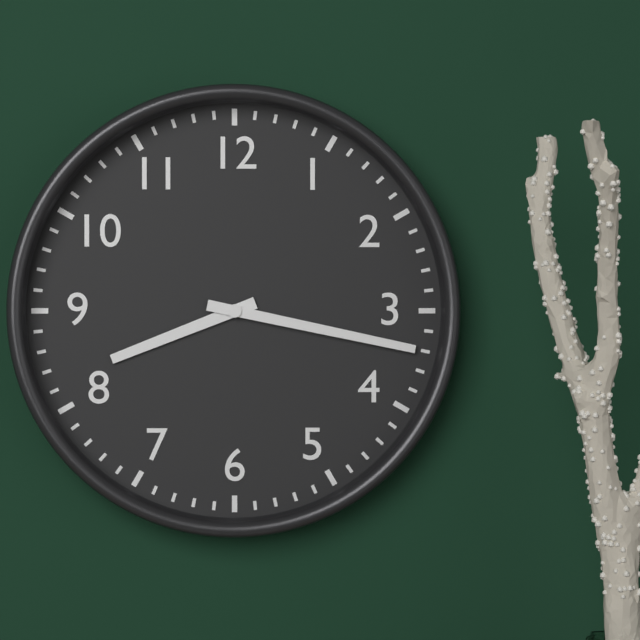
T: 8:17
